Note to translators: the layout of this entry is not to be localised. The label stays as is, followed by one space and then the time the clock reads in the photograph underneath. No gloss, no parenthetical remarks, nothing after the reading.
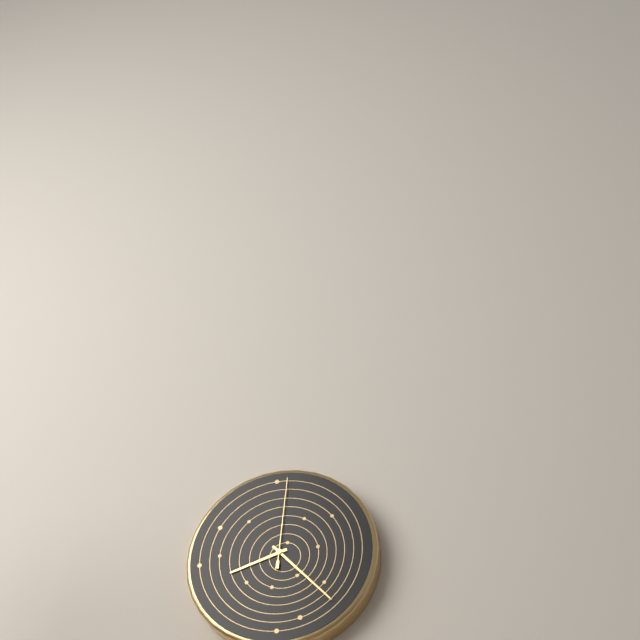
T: 8:23:01
